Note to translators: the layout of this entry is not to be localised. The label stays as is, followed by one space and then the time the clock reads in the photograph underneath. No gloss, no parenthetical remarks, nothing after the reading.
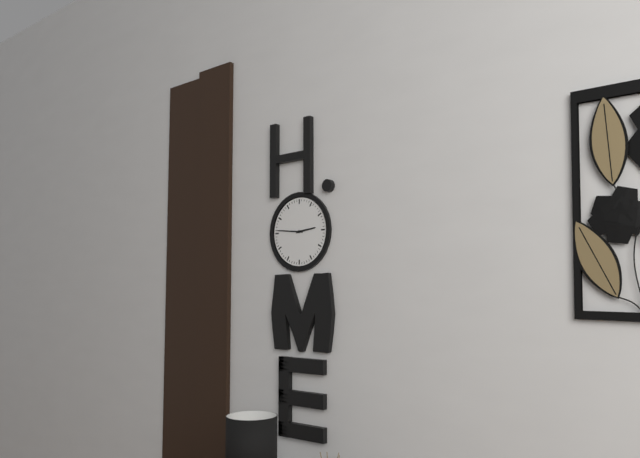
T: 2:46
